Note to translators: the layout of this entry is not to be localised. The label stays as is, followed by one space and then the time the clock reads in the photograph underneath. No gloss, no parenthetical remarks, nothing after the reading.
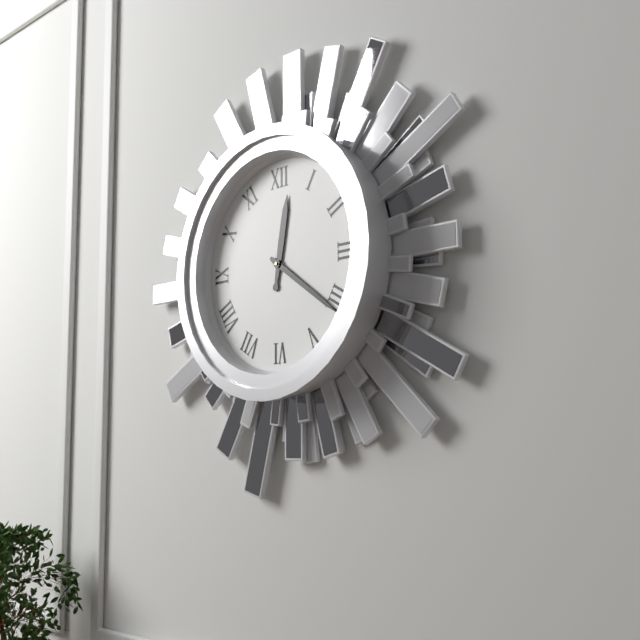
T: 12:21
